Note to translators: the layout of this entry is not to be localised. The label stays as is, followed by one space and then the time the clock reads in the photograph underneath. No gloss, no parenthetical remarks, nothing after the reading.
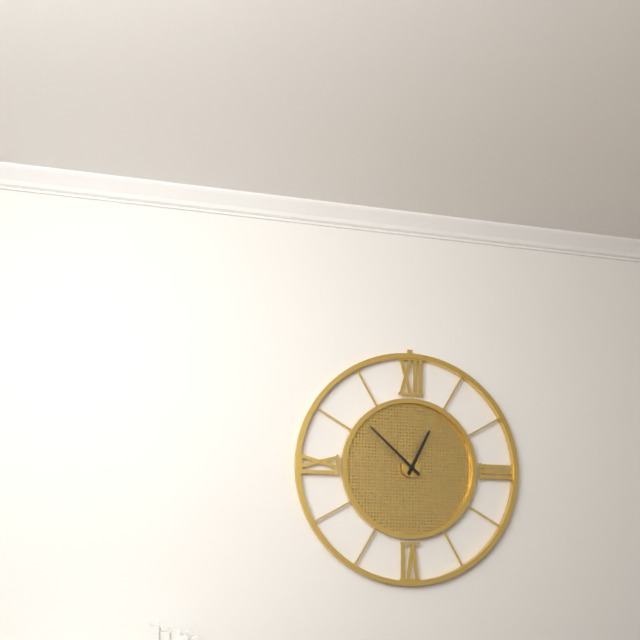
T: 12:52
